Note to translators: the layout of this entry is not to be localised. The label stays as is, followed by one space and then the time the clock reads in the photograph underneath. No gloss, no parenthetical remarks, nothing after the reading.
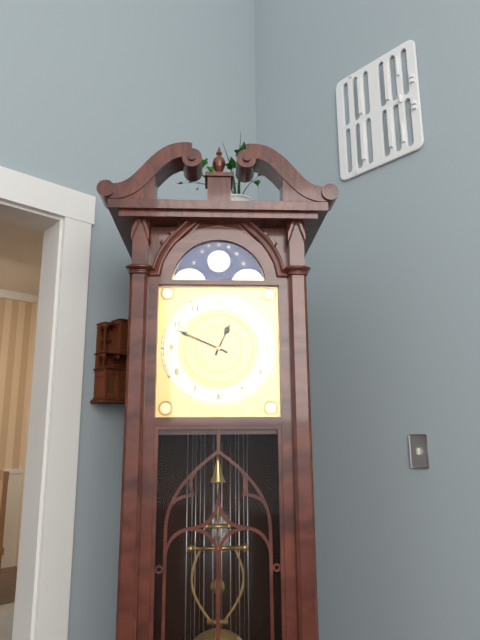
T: 12:49
